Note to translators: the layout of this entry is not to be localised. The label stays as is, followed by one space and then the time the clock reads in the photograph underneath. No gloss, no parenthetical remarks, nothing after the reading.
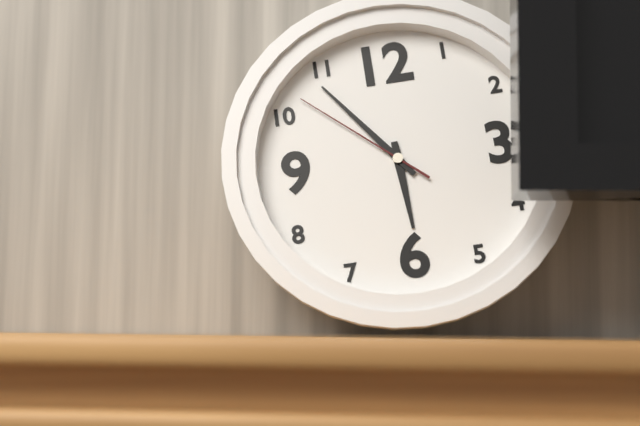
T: 5:54:52
